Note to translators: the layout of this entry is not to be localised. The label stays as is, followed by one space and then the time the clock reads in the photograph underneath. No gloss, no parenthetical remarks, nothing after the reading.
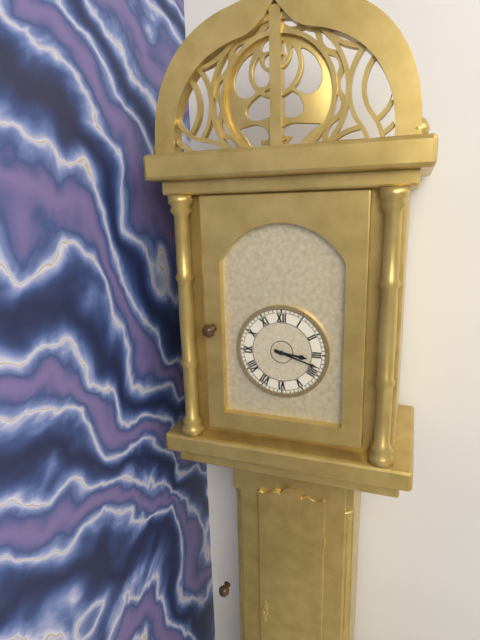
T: 3:18
